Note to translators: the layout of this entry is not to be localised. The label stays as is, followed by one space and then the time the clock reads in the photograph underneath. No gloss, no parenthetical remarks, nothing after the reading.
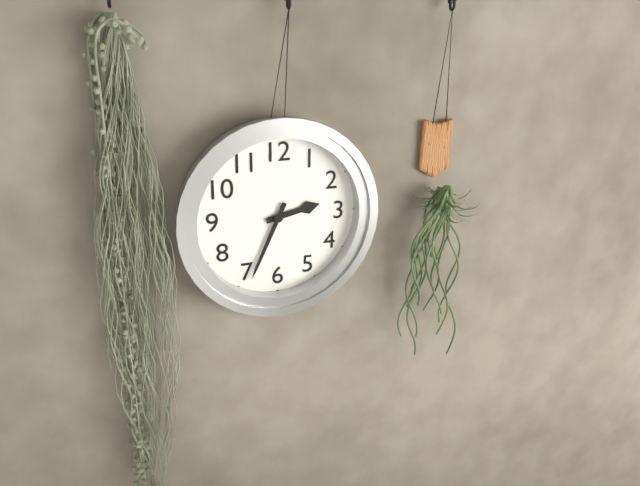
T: 2:34
